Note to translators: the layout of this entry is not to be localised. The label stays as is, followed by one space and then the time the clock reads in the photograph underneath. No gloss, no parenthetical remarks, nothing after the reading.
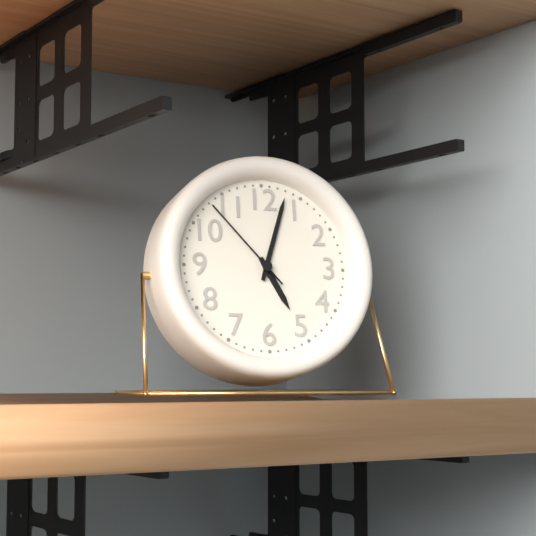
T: 5:03:53
